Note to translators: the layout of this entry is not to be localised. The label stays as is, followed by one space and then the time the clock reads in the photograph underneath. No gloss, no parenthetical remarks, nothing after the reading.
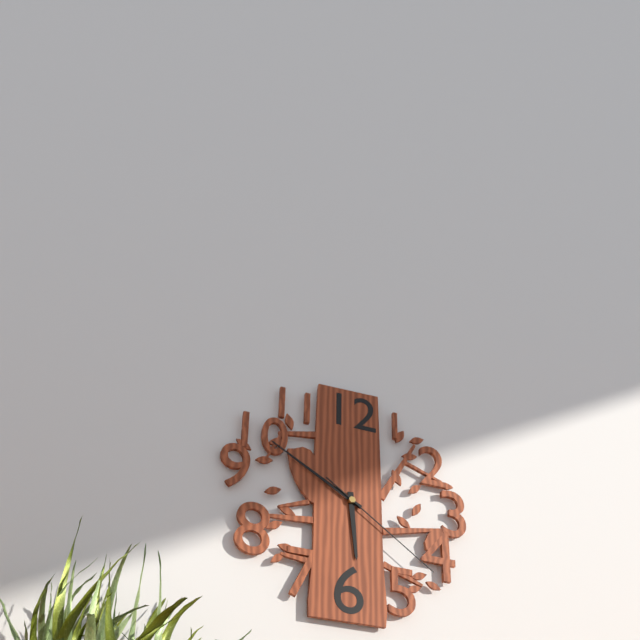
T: 5:50:21
